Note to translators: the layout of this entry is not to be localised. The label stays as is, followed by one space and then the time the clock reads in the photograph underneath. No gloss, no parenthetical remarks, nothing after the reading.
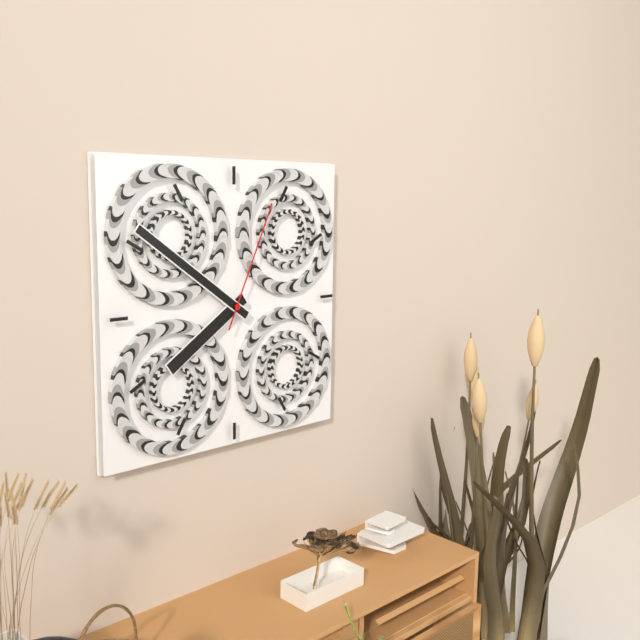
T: 7:51:04
